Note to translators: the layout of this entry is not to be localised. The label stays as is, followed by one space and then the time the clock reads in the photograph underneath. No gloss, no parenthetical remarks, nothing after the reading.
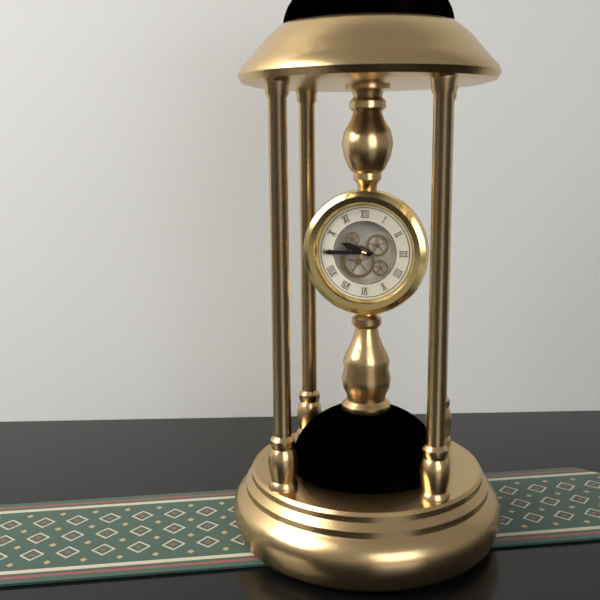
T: 9:45
